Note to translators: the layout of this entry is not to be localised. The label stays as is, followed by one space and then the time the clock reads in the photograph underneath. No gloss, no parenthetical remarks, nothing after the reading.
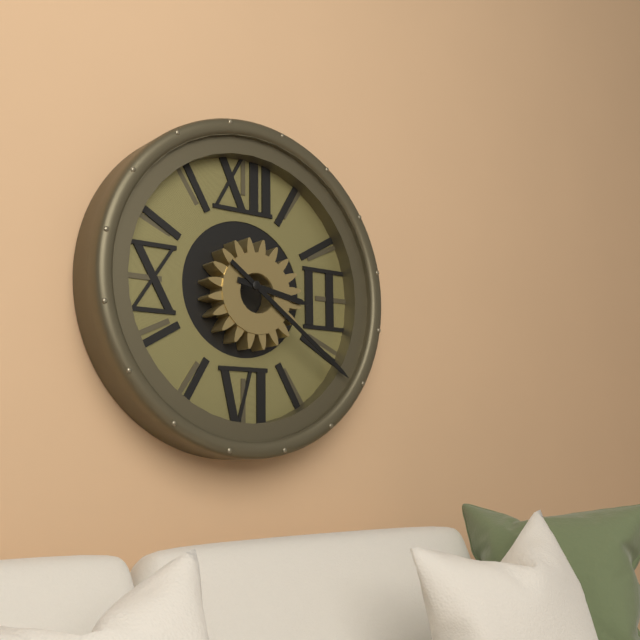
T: 3:21
